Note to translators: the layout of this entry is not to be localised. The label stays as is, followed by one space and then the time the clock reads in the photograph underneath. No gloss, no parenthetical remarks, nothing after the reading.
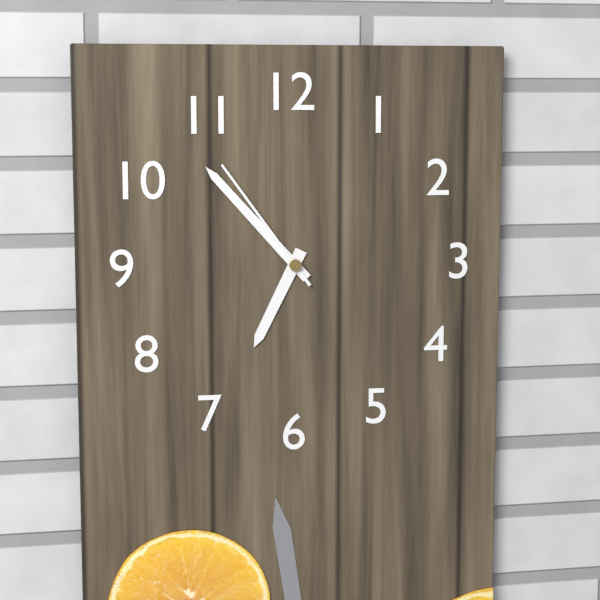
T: 6:53:54
